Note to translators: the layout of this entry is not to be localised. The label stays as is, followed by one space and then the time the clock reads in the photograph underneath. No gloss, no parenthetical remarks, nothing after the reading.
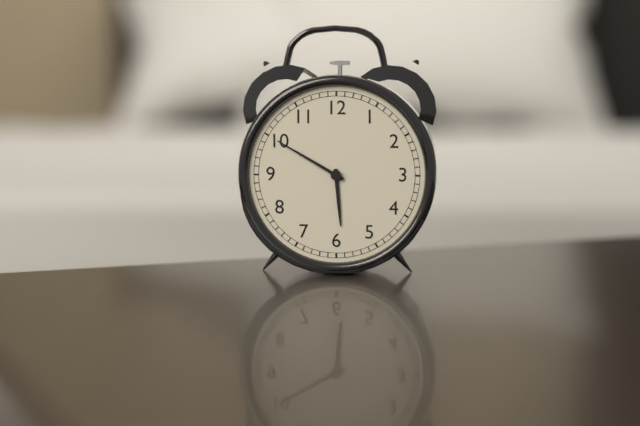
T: 5:50
